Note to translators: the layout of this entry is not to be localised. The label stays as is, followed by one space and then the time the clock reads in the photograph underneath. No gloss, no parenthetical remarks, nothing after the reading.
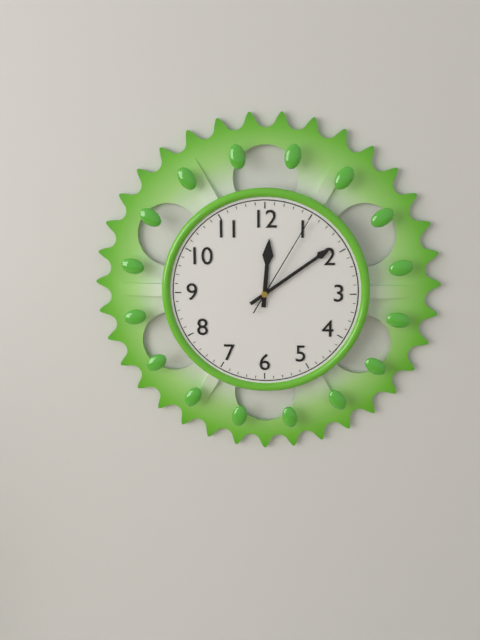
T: 12:09:05
